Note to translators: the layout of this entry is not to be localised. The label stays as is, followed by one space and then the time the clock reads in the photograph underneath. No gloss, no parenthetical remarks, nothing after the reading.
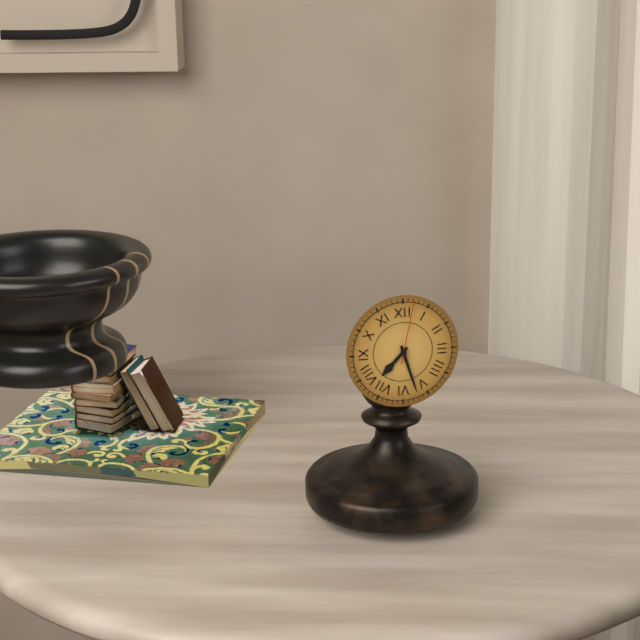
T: 7:27:02
